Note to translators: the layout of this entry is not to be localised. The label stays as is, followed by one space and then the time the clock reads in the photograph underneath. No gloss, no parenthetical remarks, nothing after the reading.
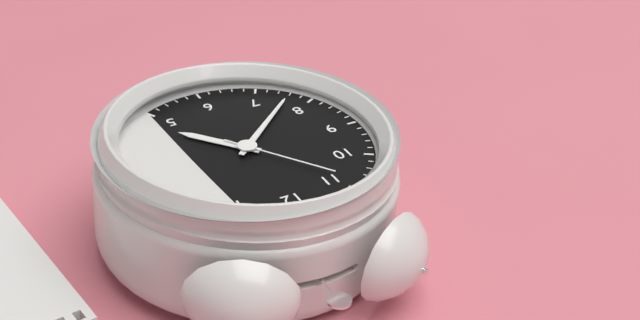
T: 4:38:54
